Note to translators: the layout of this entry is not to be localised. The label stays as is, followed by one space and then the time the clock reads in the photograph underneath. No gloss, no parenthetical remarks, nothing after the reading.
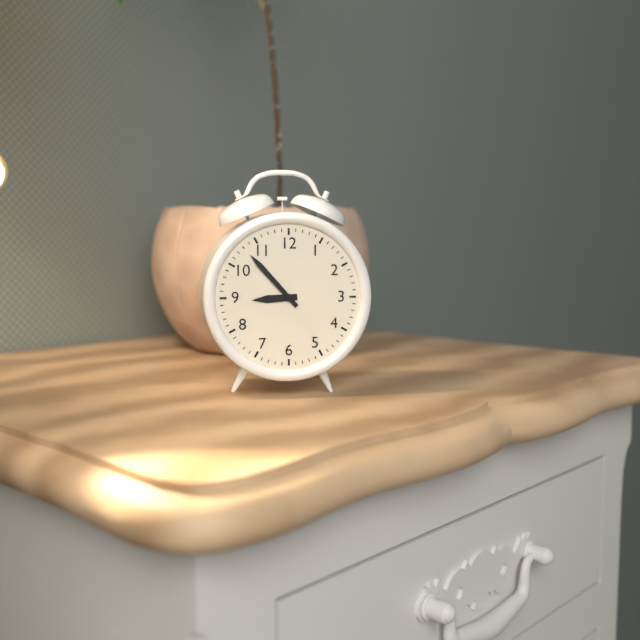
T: 8:53
